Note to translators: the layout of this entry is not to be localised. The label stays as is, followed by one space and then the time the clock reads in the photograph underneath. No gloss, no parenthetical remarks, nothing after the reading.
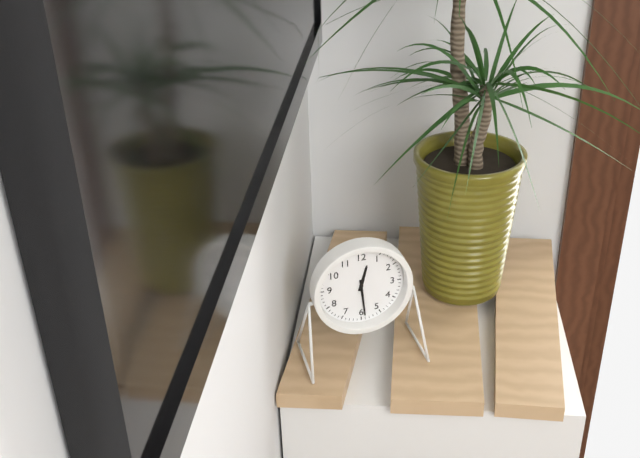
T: 12:29
